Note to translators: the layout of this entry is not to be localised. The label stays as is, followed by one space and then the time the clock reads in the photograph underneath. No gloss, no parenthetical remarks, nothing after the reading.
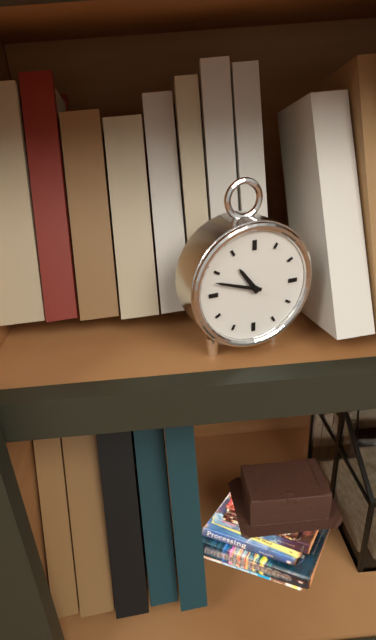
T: 10:48
